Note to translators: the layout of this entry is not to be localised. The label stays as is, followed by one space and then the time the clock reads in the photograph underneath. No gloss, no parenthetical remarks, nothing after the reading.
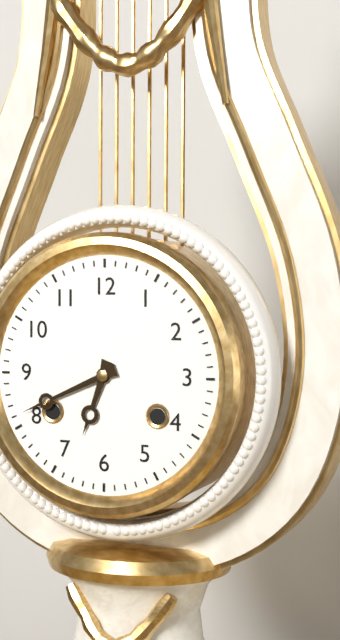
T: 6:41
